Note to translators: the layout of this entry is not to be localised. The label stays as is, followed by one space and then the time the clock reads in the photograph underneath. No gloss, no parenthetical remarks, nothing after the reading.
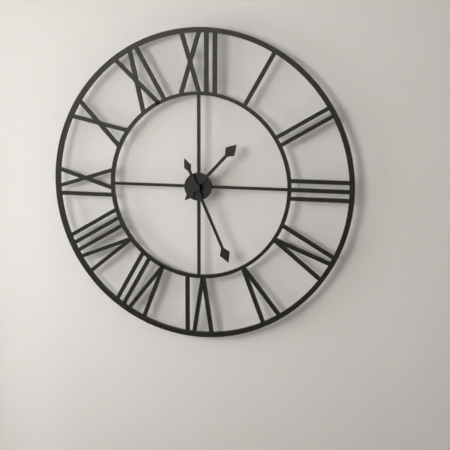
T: 1:26
